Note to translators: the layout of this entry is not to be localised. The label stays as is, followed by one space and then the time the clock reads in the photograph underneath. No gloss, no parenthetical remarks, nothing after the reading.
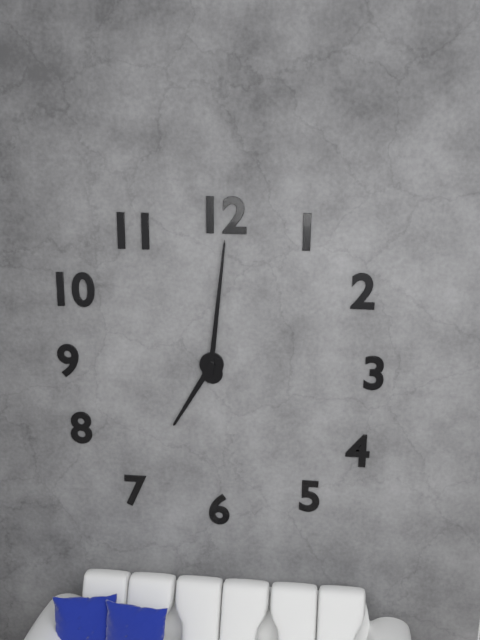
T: 7:01
